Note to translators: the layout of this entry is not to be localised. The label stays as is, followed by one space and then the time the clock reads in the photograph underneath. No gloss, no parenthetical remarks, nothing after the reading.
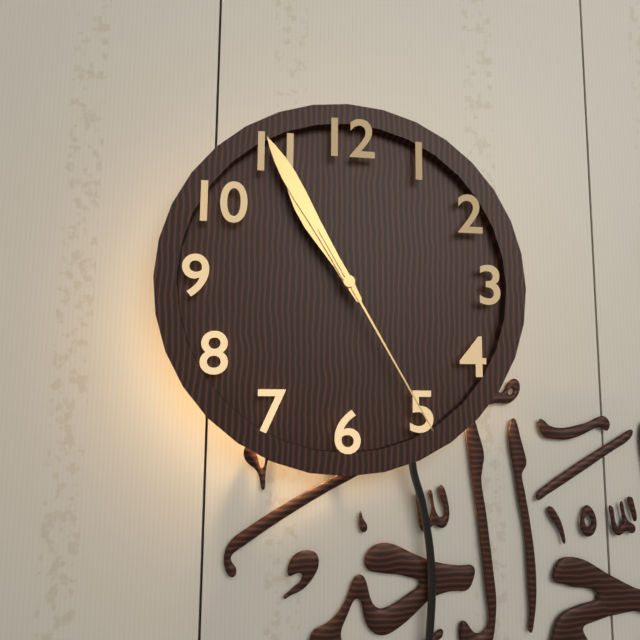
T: 10:55:25
